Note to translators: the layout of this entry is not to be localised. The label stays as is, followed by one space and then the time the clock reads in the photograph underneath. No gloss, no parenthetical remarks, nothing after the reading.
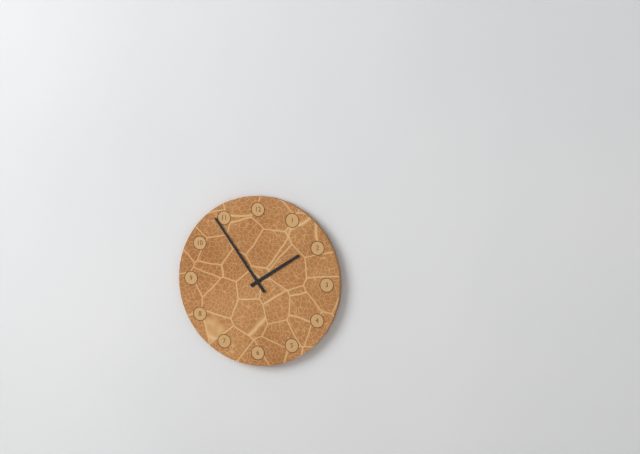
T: 1:54
